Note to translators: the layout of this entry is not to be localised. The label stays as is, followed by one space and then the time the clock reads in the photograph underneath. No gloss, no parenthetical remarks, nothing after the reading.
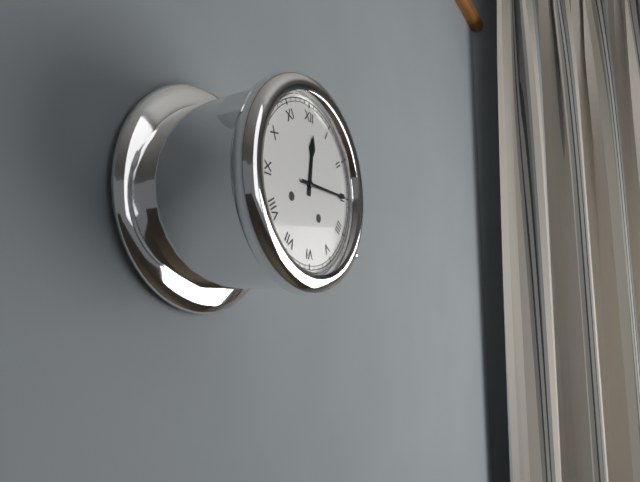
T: 12:15
